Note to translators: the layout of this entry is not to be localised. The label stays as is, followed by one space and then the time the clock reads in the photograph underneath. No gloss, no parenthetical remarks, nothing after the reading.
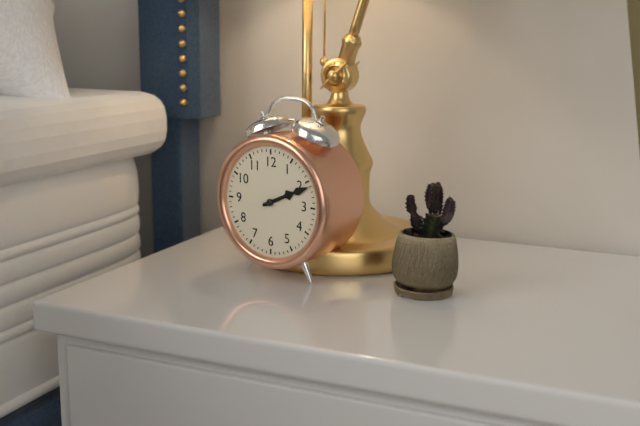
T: 2:11
